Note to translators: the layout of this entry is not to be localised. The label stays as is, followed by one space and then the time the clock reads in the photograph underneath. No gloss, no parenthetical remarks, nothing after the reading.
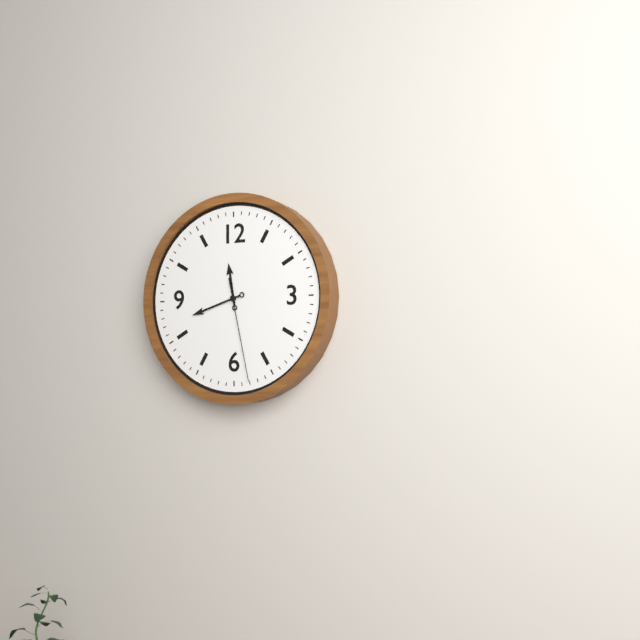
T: 11:42:28
